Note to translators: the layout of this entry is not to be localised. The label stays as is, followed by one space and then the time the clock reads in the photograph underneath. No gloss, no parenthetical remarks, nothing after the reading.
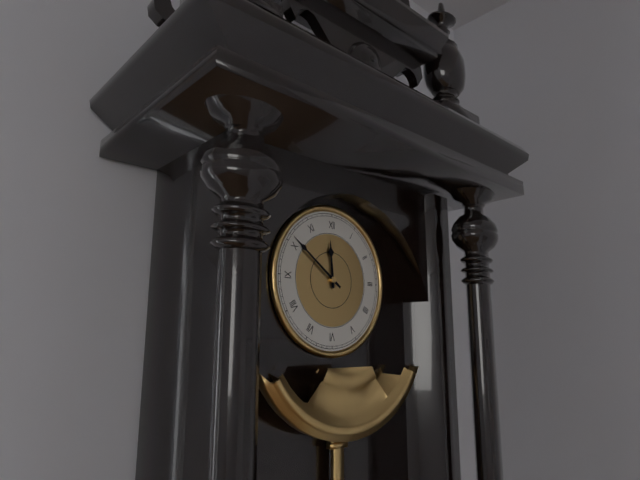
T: 11:51
